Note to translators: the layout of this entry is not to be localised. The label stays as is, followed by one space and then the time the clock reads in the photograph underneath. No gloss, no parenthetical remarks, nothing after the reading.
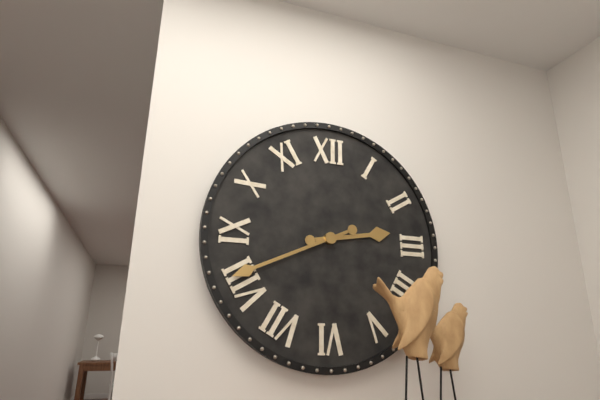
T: 2:41
